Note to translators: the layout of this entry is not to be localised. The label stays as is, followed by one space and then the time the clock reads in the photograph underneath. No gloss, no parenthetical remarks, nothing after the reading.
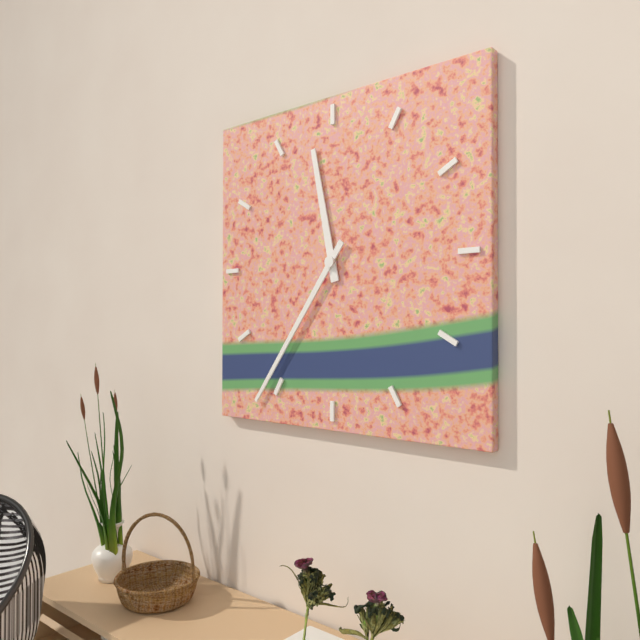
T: 11:36
